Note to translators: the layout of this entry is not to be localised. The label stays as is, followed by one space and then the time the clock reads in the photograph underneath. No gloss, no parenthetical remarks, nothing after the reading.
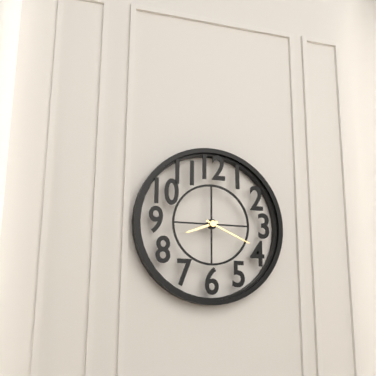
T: 8:19
